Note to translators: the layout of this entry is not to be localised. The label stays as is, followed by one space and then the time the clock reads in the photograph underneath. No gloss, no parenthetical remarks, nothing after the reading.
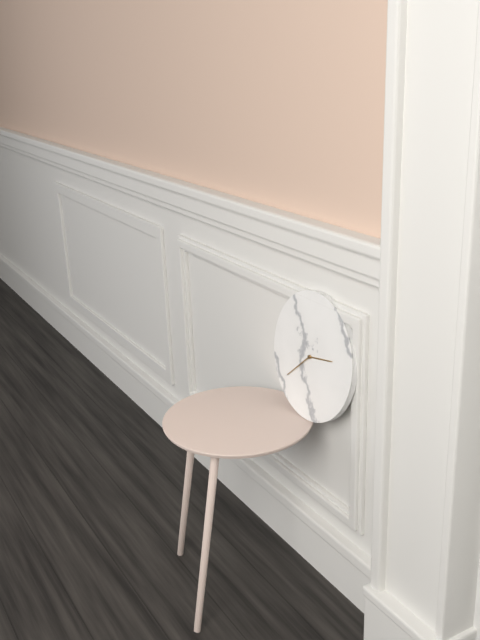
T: 2:38
